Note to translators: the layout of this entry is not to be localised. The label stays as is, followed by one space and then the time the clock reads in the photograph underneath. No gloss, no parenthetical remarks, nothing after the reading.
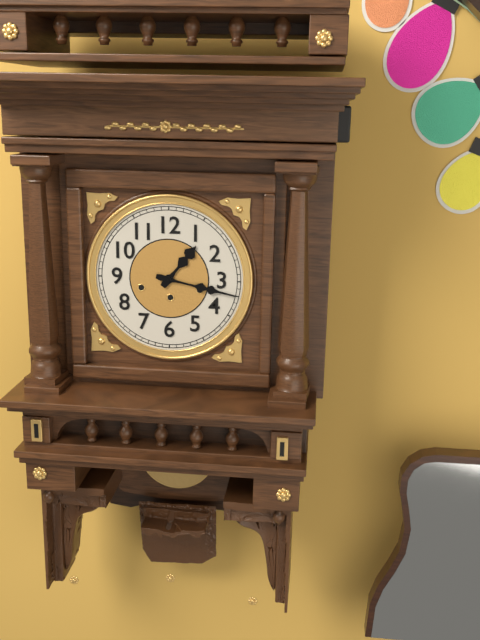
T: 1:17
